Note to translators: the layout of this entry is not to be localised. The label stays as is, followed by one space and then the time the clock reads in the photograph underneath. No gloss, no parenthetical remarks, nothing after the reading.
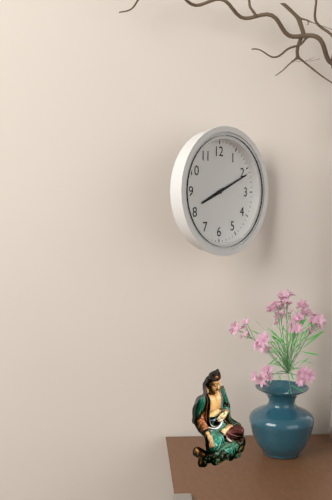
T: 8:11
